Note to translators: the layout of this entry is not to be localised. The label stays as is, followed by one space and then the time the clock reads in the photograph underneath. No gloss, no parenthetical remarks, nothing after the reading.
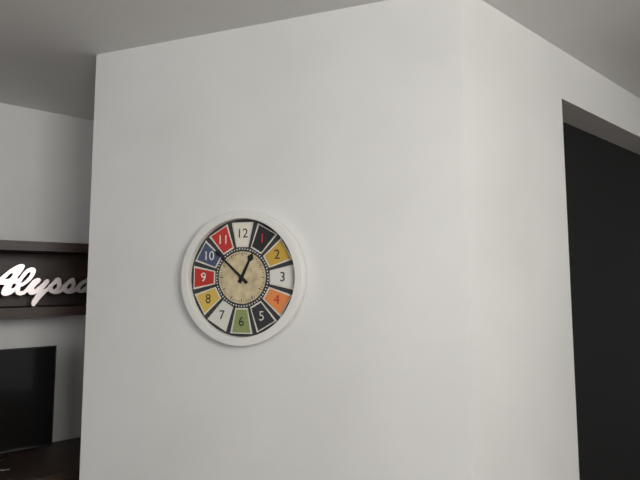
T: 12:52
